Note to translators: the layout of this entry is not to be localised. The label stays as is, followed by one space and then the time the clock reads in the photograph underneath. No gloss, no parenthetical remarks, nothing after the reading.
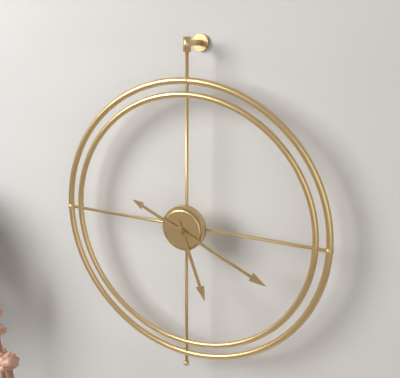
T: 5:19
